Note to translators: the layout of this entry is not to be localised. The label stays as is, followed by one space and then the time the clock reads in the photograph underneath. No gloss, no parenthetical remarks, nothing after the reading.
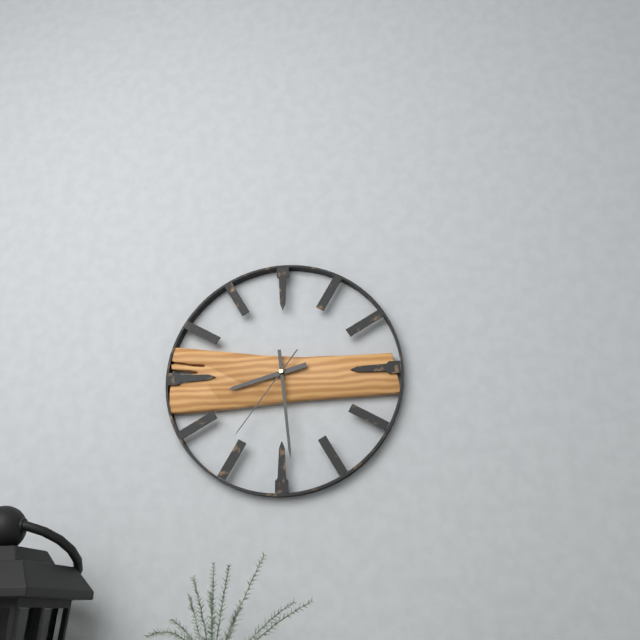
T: 8:29:36
